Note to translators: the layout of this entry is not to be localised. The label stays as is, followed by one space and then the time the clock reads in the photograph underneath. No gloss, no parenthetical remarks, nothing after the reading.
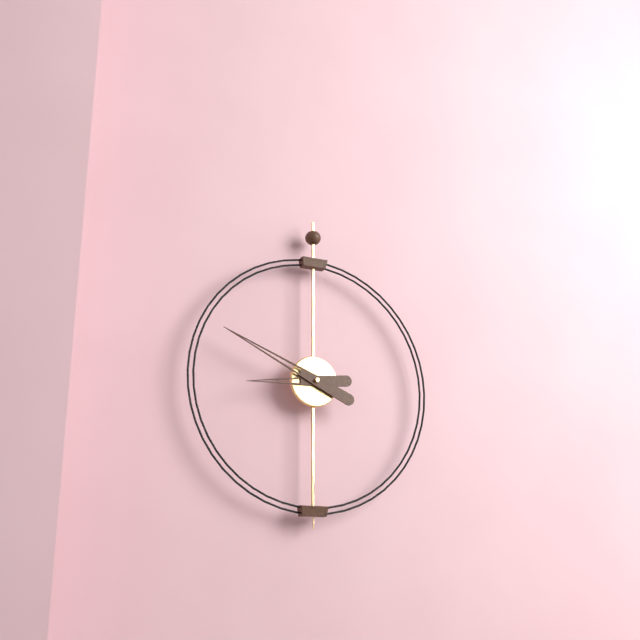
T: 8:49
